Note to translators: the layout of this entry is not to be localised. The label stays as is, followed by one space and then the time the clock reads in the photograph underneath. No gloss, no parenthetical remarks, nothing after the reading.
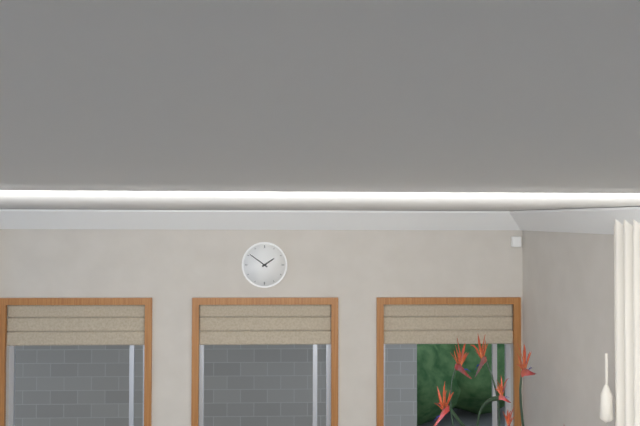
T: 1:51
